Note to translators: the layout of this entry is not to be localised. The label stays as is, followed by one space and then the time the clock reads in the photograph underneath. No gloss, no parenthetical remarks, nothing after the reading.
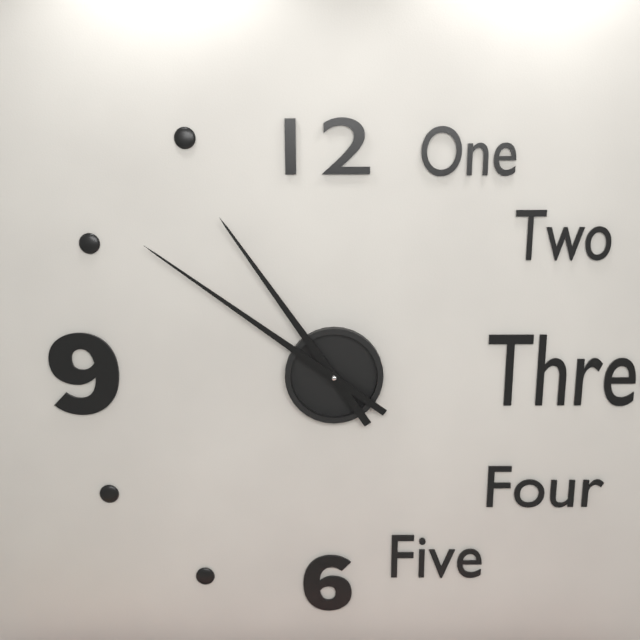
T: 10:51
